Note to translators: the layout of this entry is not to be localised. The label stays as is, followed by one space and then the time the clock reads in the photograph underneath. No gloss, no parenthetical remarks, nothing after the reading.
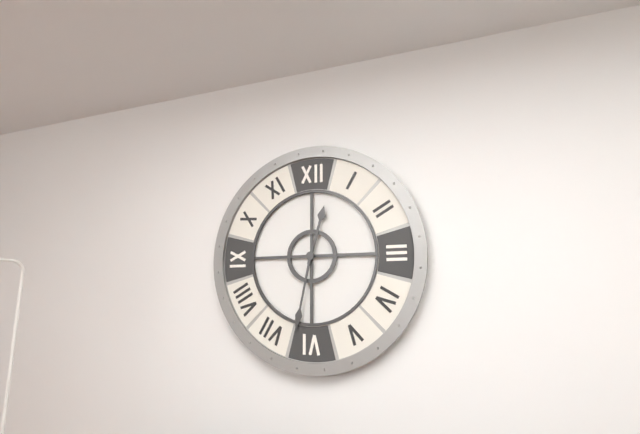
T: 12:32
